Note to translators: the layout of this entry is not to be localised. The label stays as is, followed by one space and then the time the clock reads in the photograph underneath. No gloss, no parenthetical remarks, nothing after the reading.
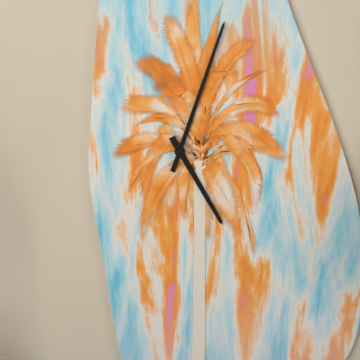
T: 5:03
